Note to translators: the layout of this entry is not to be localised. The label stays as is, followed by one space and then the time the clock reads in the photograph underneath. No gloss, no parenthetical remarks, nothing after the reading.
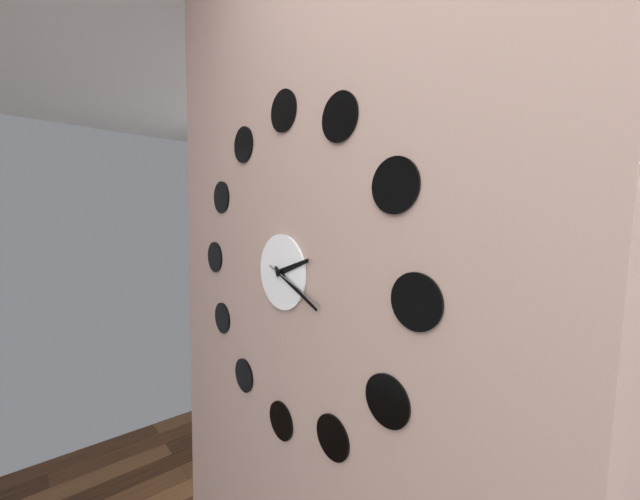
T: 2:19:18
